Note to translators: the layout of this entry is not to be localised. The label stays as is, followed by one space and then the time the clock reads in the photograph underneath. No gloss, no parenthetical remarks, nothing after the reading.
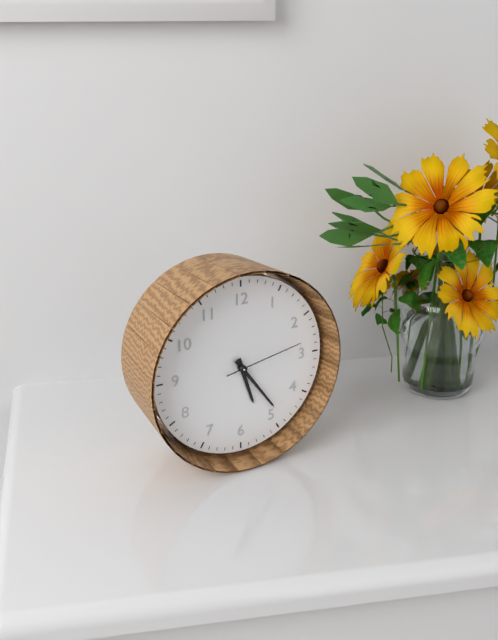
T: 5:24:13
